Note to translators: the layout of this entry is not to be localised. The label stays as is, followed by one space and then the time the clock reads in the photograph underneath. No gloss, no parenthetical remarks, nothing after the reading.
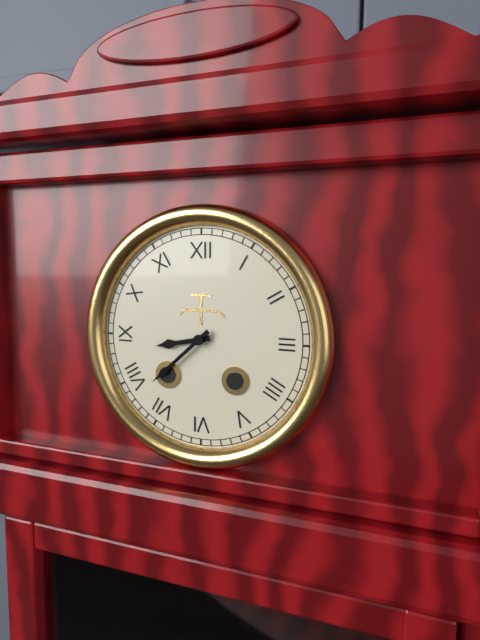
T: 8:38
